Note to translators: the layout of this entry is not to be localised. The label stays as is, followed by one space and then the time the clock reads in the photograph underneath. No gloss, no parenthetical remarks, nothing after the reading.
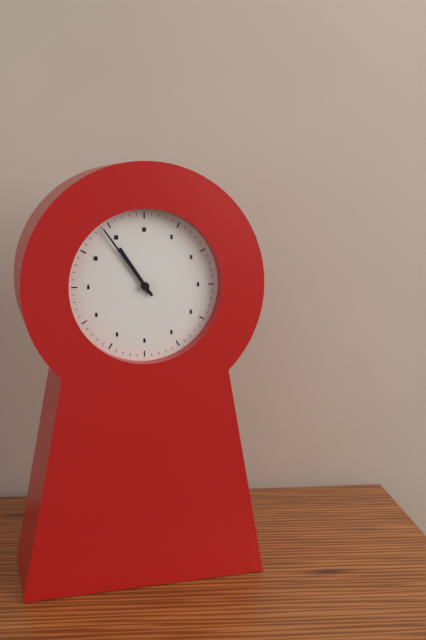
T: 10:54
